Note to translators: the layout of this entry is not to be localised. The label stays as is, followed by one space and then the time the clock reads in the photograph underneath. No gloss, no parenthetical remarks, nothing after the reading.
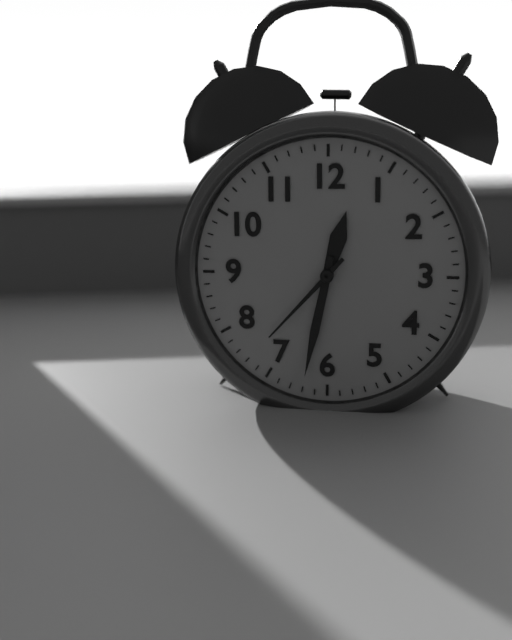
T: 12:32:37
